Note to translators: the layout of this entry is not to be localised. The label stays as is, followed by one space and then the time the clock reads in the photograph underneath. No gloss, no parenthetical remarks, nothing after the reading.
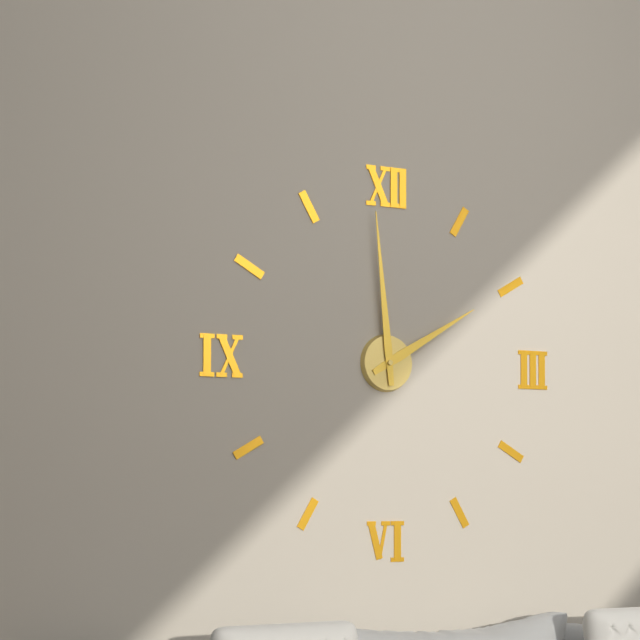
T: 1:59
